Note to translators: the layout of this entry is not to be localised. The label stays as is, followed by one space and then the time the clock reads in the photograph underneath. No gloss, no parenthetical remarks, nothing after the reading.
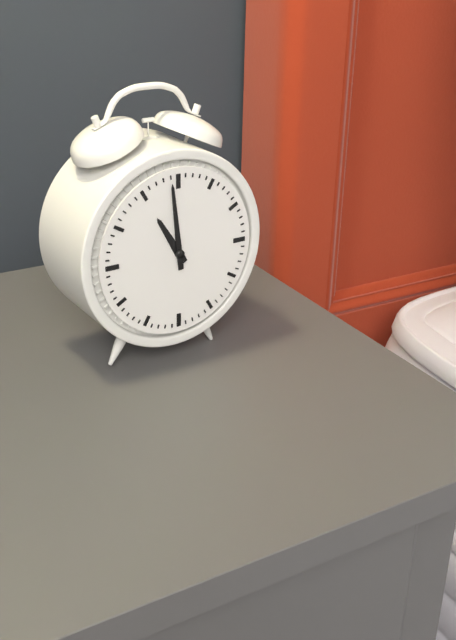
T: 10:59
